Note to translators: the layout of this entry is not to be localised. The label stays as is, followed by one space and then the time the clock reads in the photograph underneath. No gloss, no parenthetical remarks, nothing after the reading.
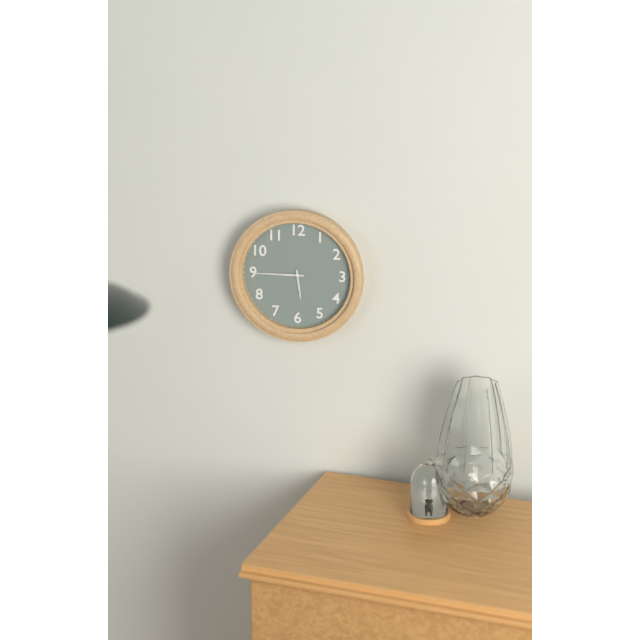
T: 5:45
